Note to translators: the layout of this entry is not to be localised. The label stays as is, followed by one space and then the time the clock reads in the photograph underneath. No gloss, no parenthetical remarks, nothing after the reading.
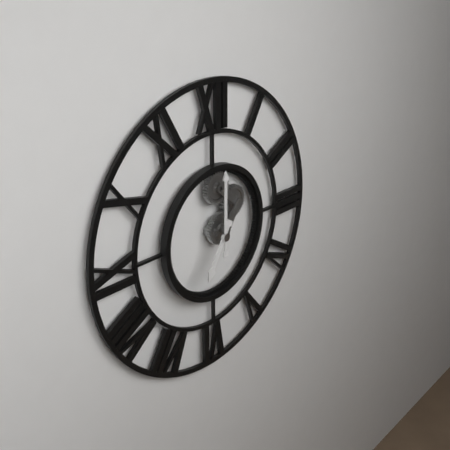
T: 7:00
